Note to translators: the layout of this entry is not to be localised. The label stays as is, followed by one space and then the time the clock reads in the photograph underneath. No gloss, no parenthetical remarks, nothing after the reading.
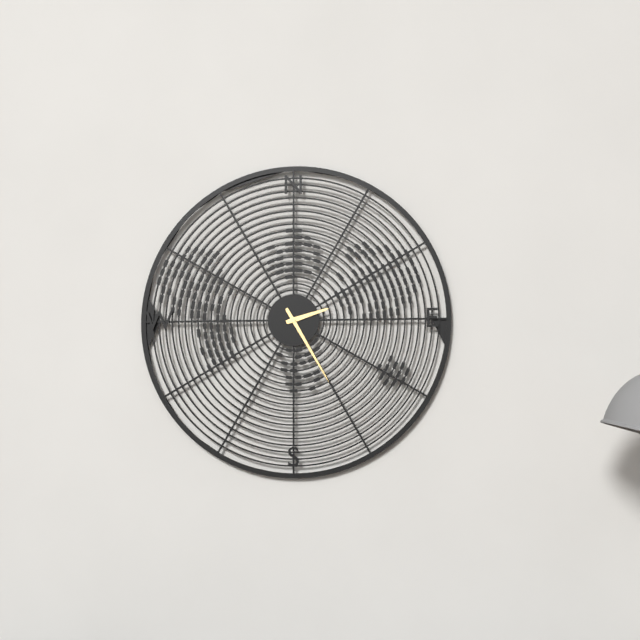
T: 2:25
